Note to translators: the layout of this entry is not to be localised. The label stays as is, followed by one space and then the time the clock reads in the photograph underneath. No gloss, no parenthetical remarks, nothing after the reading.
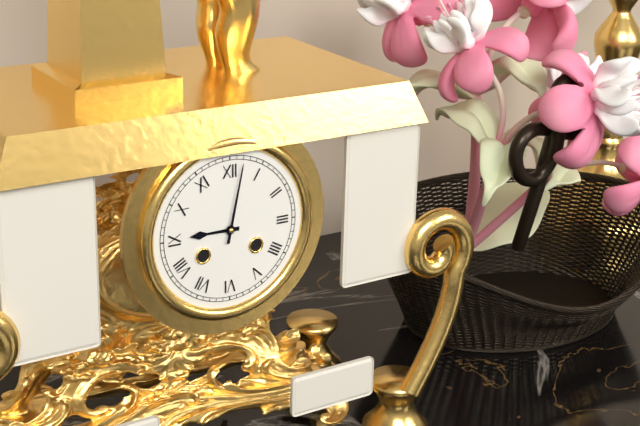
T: 9:02
